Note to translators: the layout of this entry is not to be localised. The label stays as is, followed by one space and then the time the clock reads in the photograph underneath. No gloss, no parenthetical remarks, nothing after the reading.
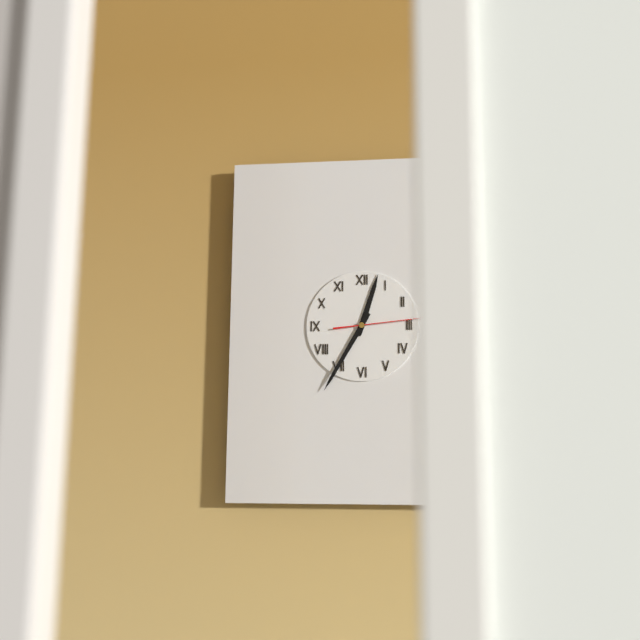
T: 12:35
